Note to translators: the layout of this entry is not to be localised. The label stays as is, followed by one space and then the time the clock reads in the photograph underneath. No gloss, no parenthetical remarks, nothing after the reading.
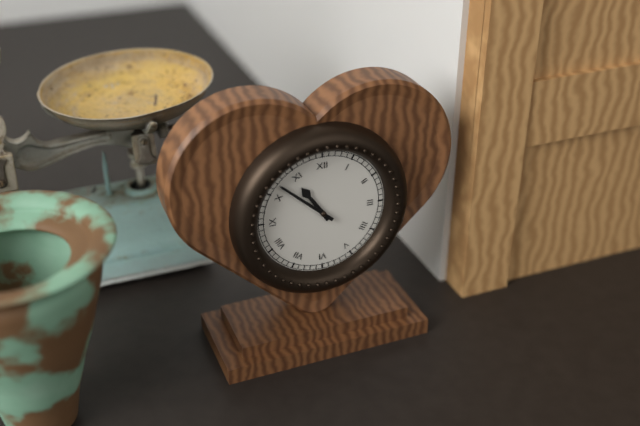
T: 10:52
